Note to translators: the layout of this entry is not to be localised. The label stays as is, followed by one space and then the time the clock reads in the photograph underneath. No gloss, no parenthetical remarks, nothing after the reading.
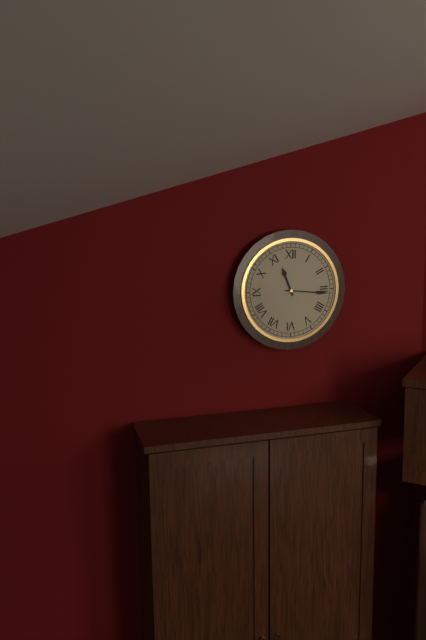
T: 11:16
